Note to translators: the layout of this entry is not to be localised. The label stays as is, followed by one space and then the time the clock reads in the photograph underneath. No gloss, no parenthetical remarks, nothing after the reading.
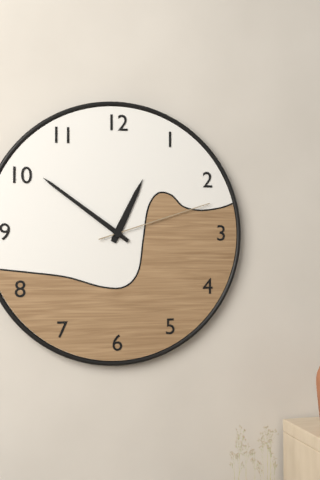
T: 12:51:12
